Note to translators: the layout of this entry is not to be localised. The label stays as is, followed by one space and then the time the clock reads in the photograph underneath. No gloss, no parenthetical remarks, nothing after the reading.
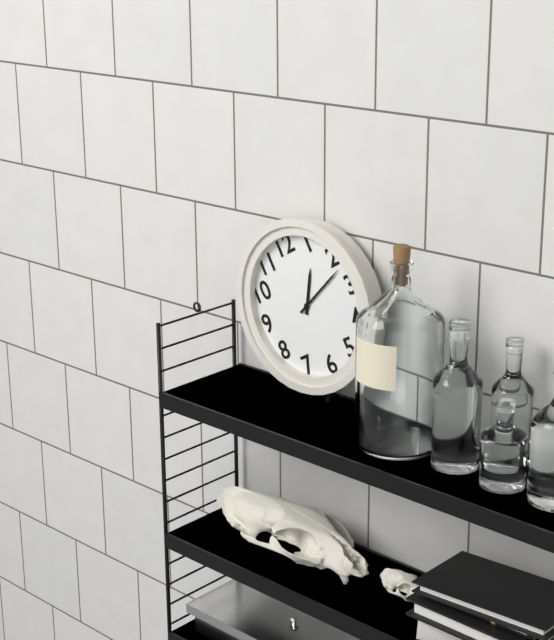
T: 1:12
